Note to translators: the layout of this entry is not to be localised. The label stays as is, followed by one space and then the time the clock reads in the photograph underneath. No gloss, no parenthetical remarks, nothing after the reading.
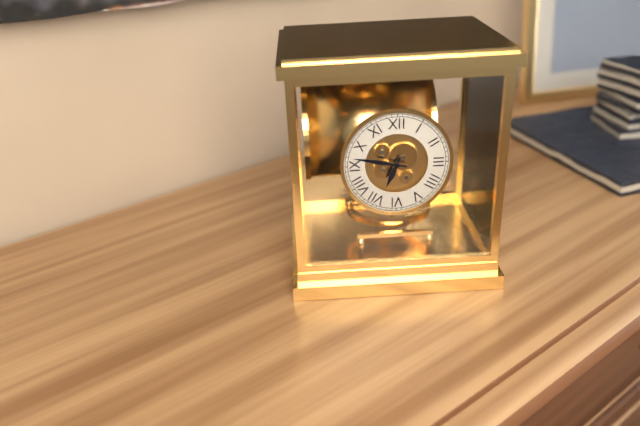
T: 6:47
